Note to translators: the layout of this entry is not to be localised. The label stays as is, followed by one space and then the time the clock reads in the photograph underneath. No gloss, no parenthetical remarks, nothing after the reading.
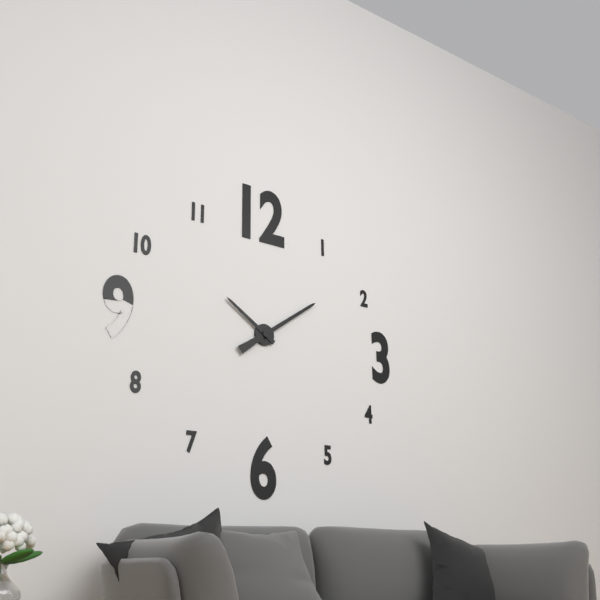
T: 10:09
